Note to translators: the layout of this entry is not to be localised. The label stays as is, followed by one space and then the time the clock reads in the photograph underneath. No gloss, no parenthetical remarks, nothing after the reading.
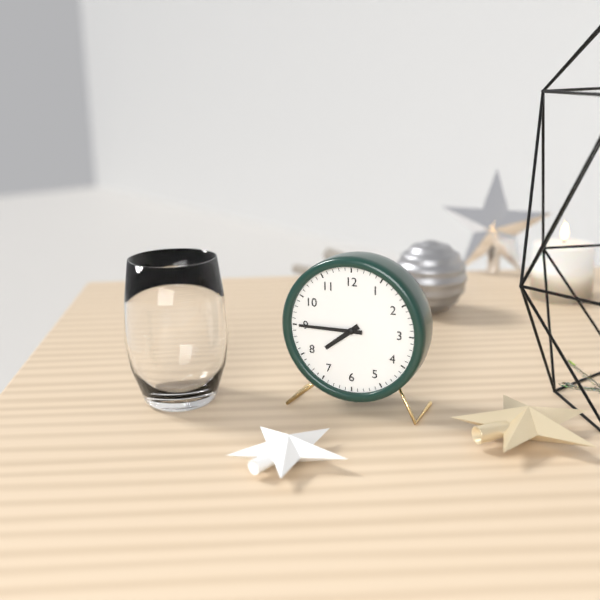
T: 7:45
